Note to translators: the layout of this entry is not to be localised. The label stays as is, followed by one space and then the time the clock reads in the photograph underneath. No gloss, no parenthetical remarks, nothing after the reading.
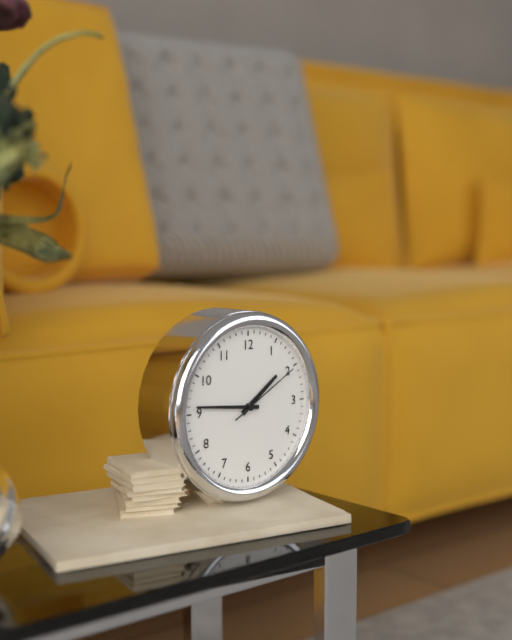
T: 1:46:10
